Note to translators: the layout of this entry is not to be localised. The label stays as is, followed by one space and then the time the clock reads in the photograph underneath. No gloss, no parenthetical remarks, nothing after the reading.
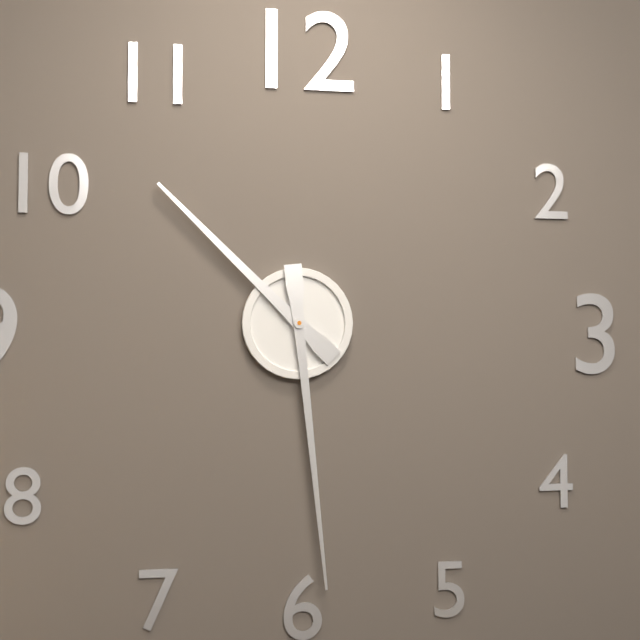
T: 10:29
